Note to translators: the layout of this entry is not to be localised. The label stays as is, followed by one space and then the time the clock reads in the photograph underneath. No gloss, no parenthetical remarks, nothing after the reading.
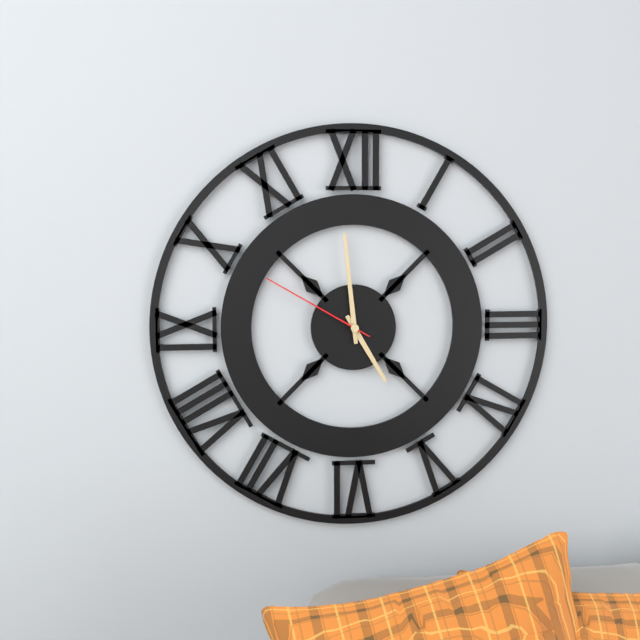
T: 4:59:50
